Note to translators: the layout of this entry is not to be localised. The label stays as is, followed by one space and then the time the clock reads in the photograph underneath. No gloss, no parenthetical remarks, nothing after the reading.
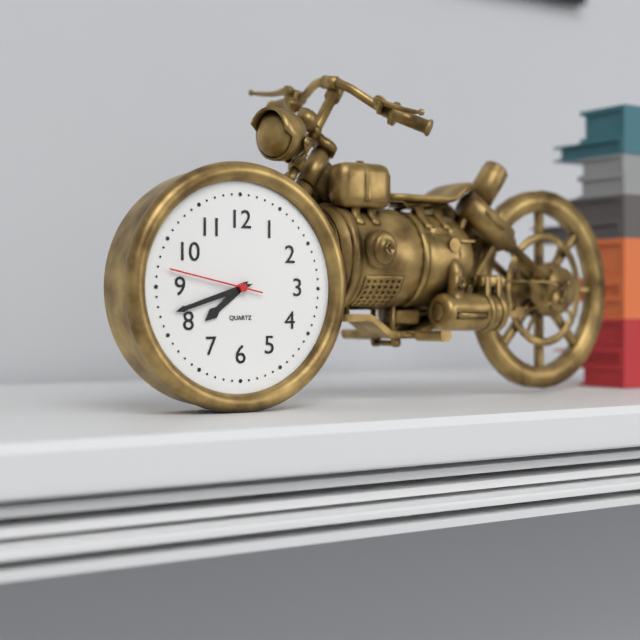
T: 7:42:47
